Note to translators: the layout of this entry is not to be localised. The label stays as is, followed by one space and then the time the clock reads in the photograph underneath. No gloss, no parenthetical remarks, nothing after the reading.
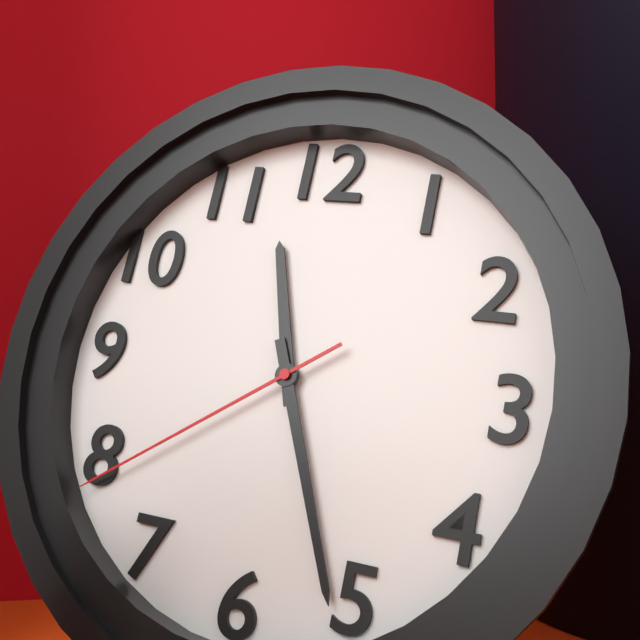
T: 11:26:39
